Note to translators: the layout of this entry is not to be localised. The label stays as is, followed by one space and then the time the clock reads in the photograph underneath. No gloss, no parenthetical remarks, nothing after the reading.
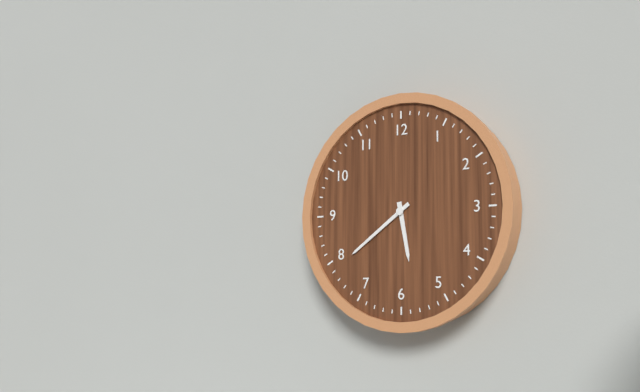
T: 5:39
